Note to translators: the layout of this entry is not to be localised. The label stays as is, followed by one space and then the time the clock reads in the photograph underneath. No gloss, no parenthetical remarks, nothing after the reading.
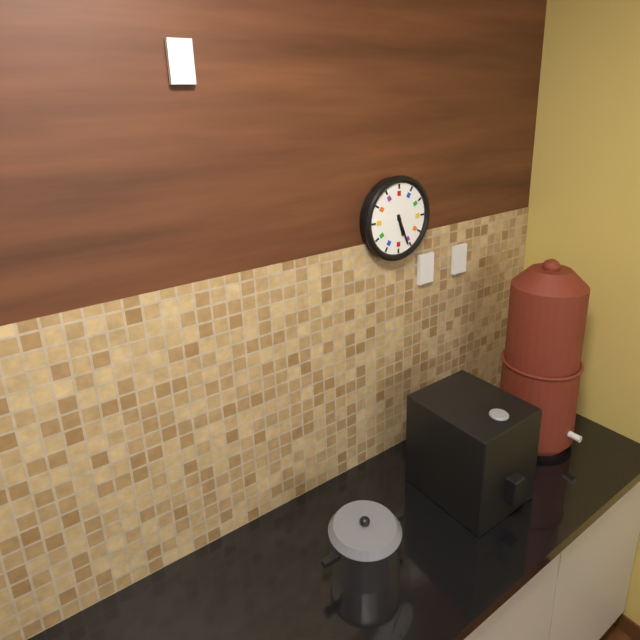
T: 5:26
